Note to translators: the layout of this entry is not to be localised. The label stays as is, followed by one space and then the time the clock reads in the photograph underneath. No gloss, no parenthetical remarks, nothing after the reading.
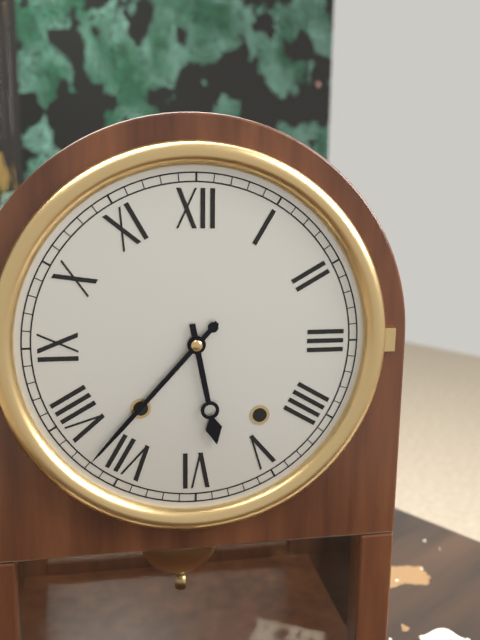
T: 5:37
